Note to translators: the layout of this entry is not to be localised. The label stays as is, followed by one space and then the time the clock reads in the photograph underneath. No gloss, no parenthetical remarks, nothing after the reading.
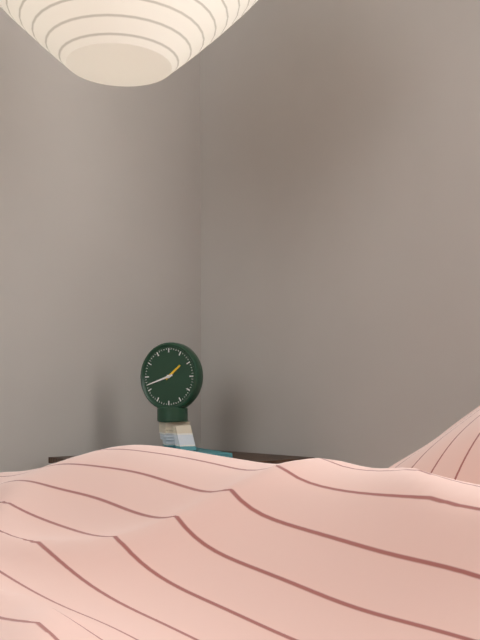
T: 1:42
